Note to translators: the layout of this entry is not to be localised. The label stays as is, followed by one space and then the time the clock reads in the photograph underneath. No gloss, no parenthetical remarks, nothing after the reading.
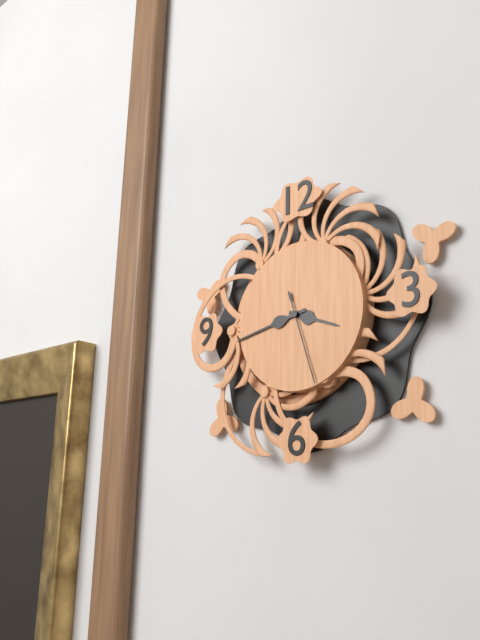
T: 3:43:27
